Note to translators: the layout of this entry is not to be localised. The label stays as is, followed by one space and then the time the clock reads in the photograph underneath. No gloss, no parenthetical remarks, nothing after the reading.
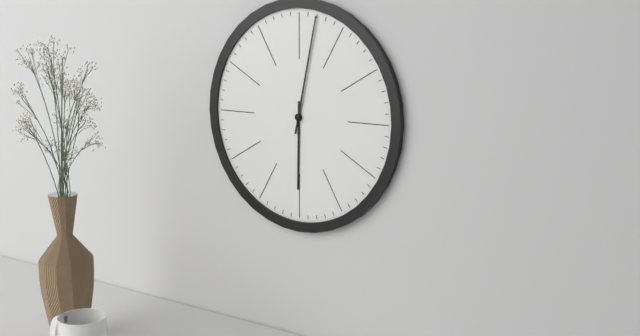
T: 6:02
